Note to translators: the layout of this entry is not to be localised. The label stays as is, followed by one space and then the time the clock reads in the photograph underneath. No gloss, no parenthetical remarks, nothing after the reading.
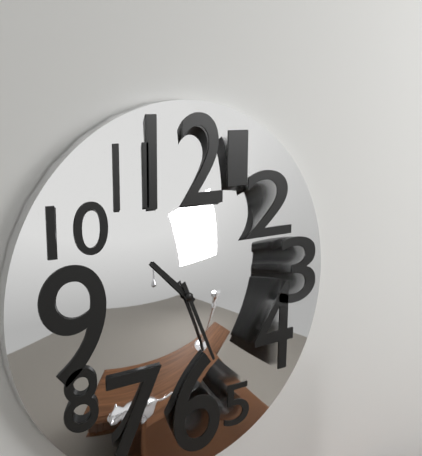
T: 10:26
